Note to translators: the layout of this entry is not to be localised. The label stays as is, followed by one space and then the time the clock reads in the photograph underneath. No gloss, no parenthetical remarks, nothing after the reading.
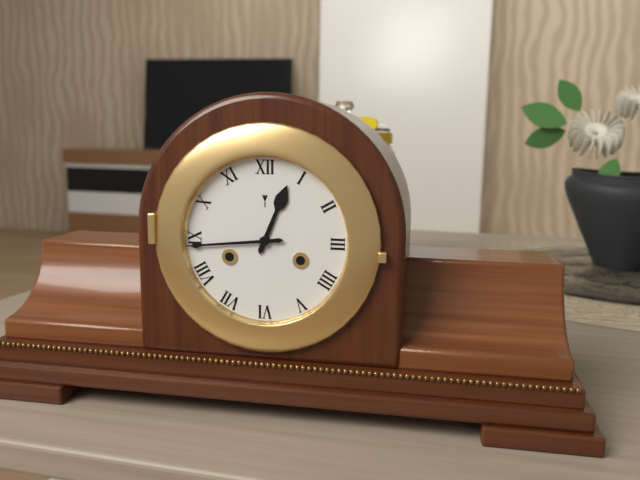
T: 12:44
